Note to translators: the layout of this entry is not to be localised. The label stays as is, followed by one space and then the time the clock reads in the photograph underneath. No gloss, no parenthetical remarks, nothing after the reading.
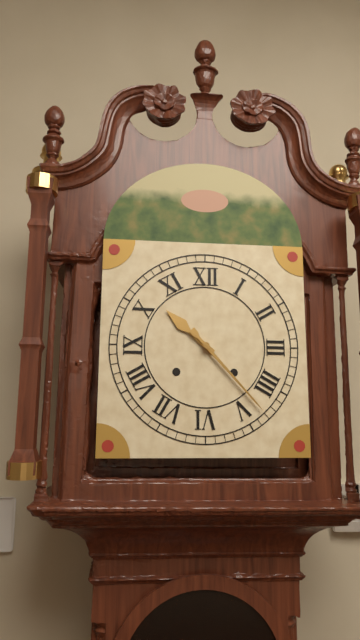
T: 10:23
